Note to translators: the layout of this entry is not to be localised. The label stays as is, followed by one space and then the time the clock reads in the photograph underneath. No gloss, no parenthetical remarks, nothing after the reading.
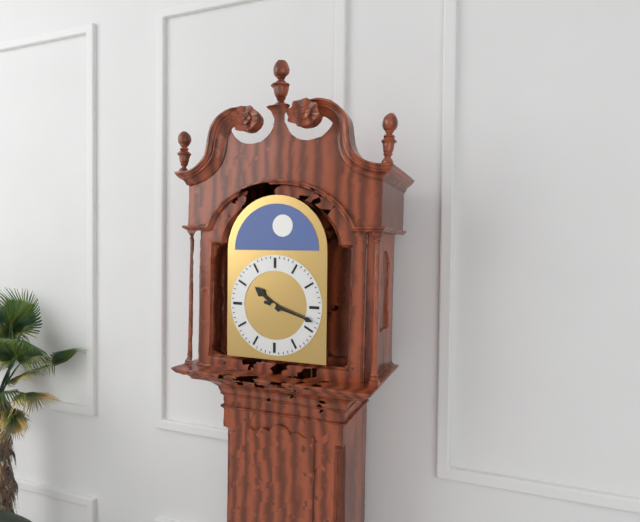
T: 10:18
